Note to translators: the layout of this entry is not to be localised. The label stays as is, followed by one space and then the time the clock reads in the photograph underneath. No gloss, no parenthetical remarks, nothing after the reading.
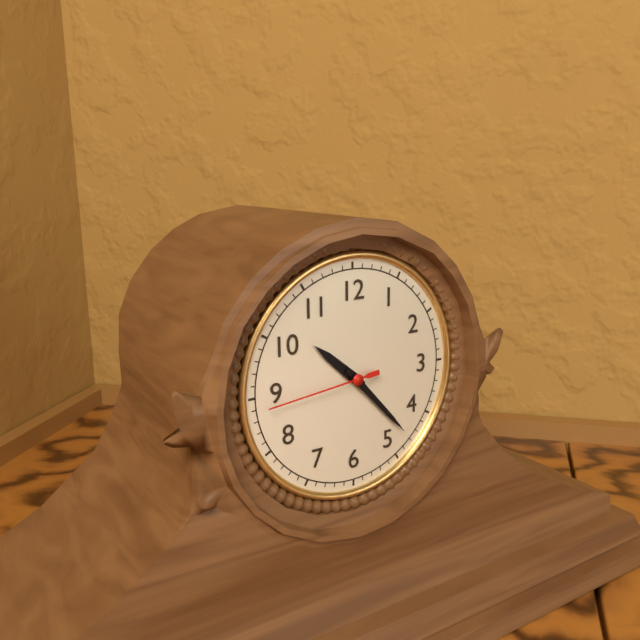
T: 10:23:44
